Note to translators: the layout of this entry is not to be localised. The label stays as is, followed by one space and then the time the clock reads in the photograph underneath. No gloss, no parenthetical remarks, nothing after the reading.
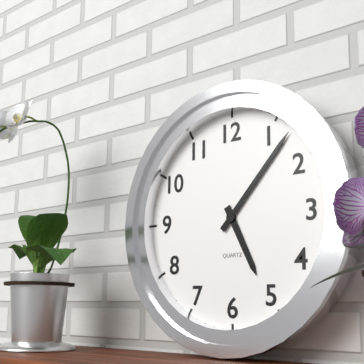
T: 5:07
